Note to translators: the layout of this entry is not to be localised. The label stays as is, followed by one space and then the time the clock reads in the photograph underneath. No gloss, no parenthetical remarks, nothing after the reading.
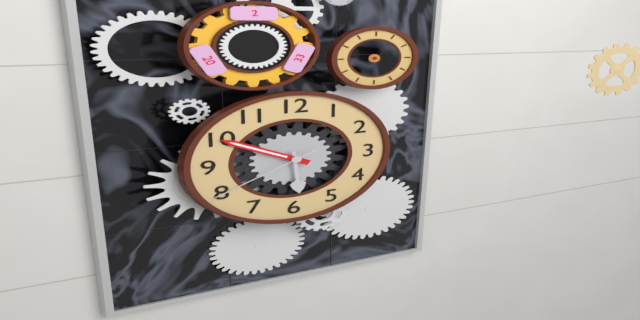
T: 5:50:40
